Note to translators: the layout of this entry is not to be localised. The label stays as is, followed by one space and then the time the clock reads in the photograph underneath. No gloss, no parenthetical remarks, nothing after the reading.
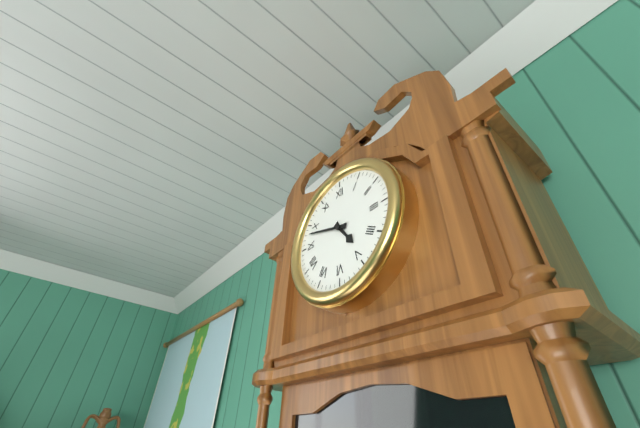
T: 4:48
